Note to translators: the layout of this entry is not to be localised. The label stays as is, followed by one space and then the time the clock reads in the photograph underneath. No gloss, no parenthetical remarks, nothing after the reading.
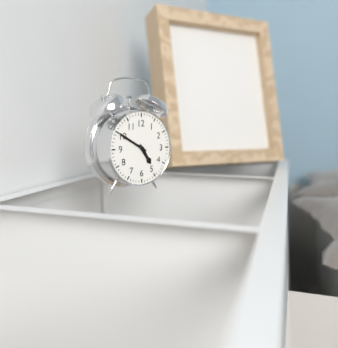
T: 4:50
